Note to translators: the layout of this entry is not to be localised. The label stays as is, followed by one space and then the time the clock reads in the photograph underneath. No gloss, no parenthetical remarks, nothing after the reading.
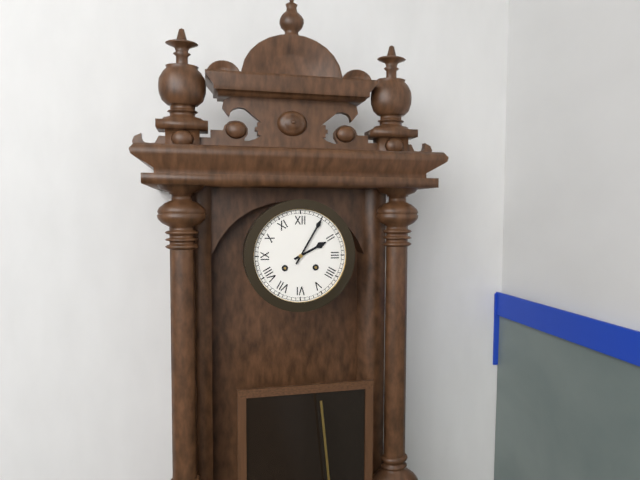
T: 2:05
